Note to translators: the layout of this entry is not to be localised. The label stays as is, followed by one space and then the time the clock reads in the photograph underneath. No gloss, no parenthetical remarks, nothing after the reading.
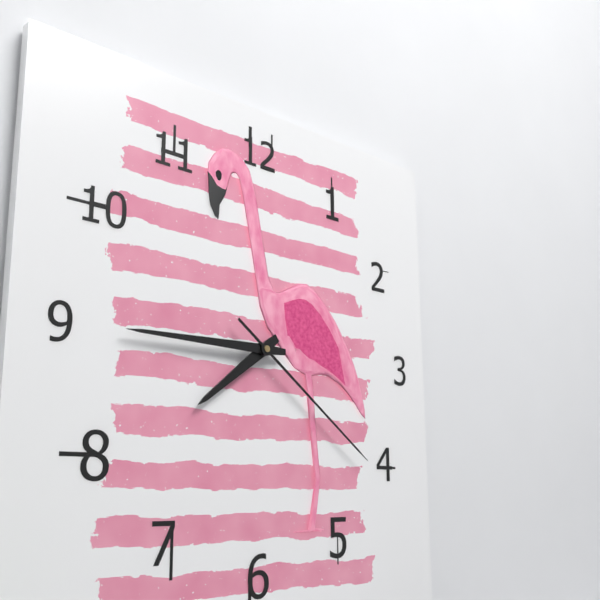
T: 7:45:21
